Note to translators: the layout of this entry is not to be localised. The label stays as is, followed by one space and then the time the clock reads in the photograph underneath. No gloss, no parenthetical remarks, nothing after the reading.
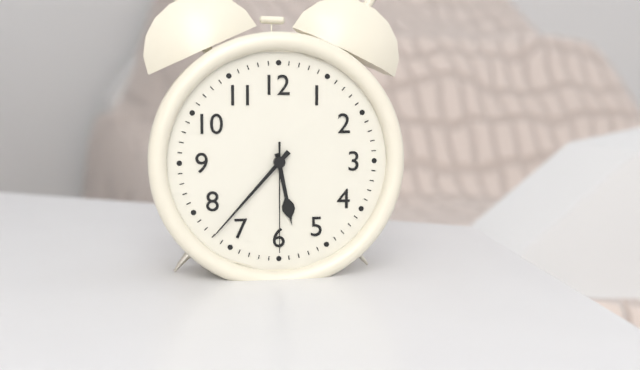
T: 5:37:30
